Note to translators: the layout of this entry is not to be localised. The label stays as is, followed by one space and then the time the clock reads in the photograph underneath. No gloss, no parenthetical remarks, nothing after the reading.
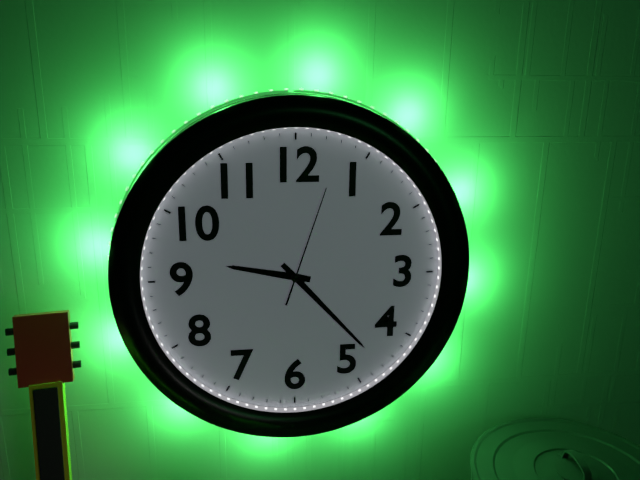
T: 9:23:03
